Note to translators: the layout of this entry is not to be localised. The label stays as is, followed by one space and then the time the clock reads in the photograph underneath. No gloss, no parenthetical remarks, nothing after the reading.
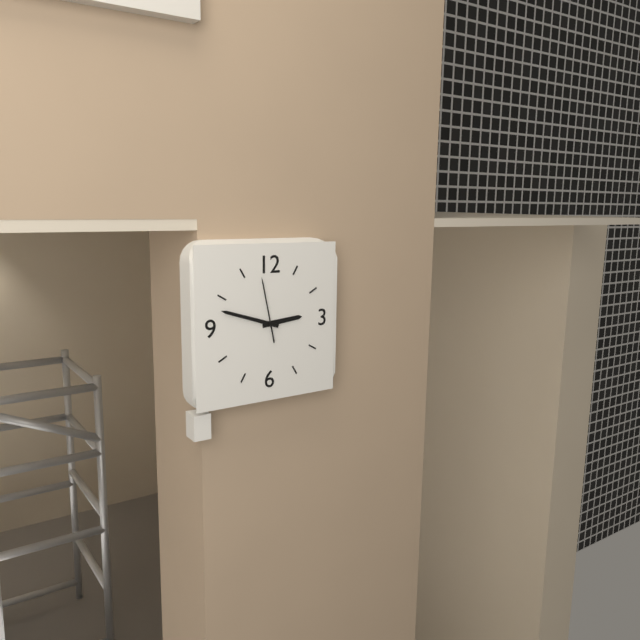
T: 2:48:58
